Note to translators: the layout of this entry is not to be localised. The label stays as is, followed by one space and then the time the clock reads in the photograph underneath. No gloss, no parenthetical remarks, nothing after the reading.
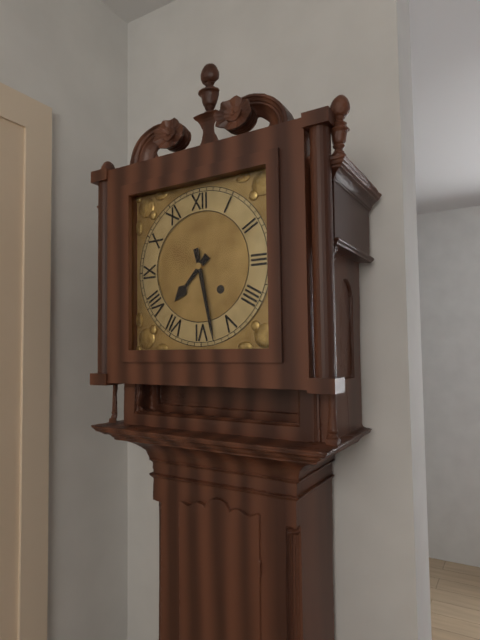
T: 7:28
